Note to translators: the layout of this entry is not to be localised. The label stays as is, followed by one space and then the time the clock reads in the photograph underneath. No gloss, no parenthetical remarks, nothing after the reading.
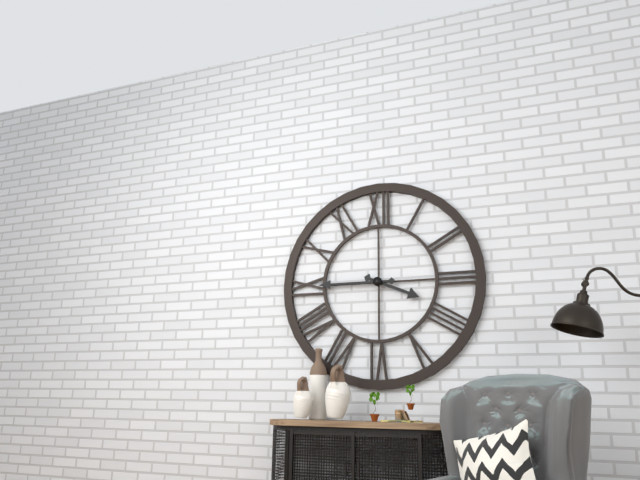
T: 3:45
